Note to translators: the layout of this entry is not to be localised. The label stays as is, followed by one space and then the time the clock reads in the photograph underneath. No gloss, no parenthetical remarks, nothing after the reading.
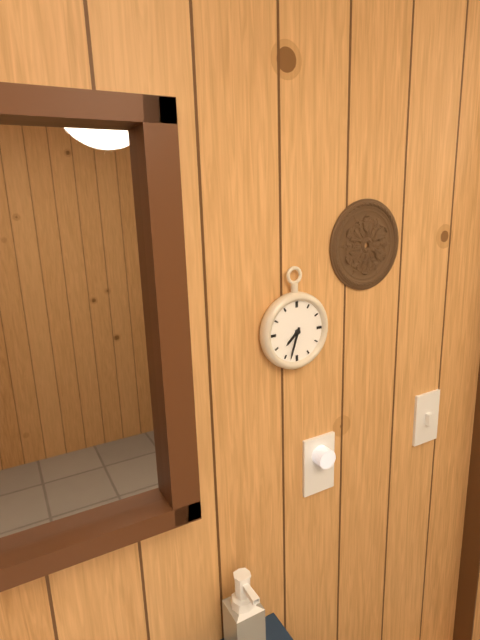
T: 7:33
